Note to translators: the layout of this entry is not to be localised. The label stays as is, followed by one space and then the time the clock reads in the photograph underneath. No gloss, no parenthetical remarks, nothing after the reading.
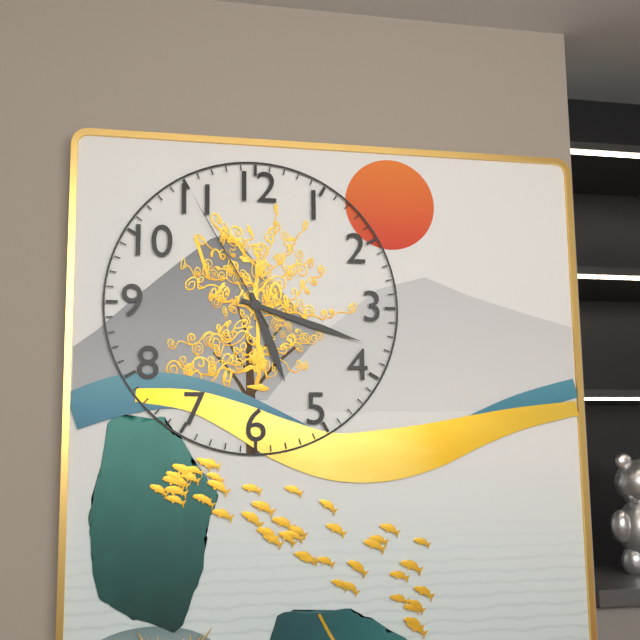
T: 5:18:55
